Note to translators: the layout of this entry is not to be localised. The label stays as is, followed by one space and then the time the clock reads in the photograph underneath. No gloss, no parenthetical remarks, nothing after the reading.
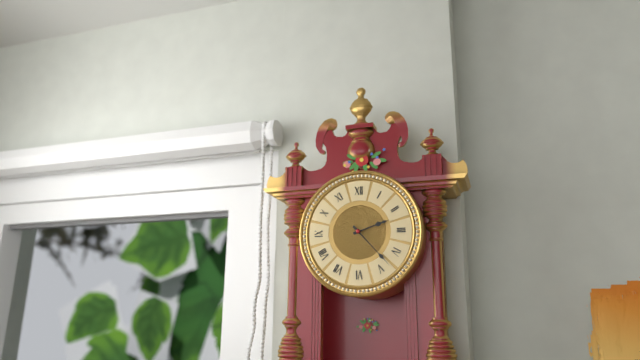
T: 2:23
